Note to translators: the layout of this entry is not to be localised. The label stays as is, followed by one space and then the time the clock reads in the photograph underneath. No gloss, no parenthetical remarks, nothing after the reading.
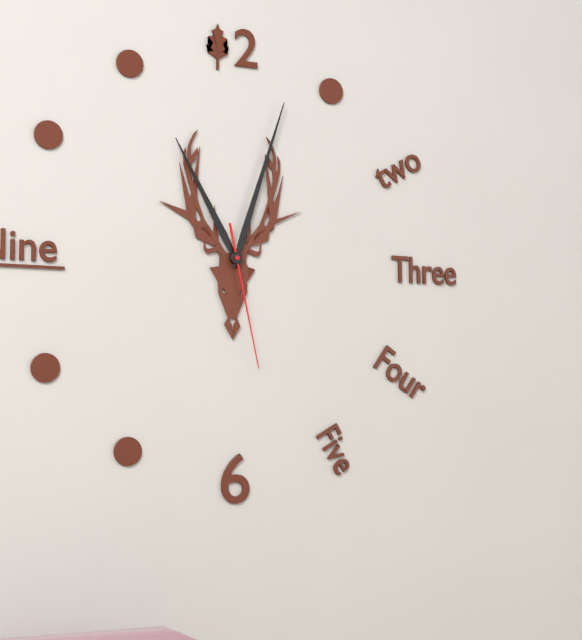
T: 11:03:28
